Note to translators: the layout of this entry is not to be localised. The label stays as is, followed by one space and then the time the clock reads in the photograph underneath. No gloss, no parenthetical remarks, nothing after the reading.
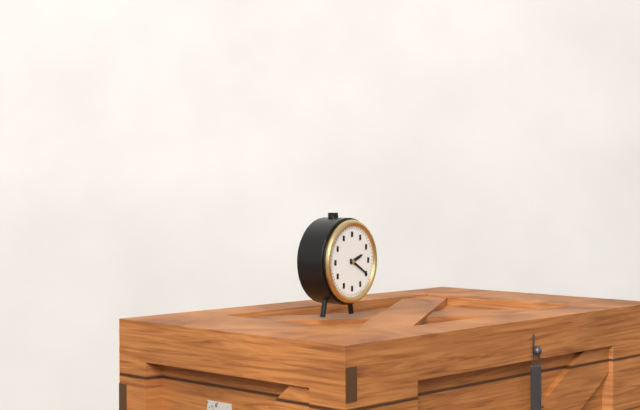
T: 2:20
